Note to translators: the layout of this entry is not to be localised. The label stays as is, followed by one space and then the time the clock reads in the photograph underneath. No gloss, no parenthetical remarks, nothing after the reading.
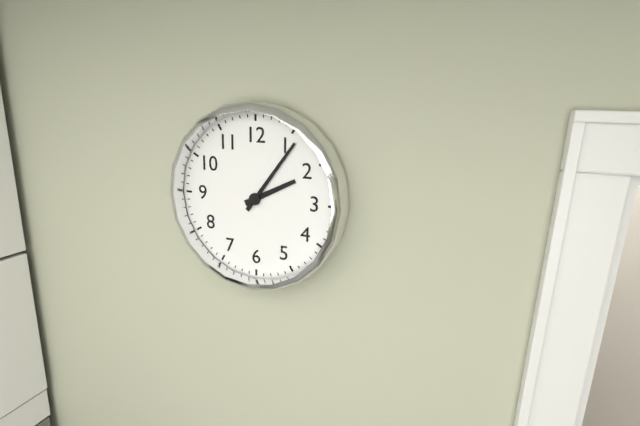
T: 2:06
